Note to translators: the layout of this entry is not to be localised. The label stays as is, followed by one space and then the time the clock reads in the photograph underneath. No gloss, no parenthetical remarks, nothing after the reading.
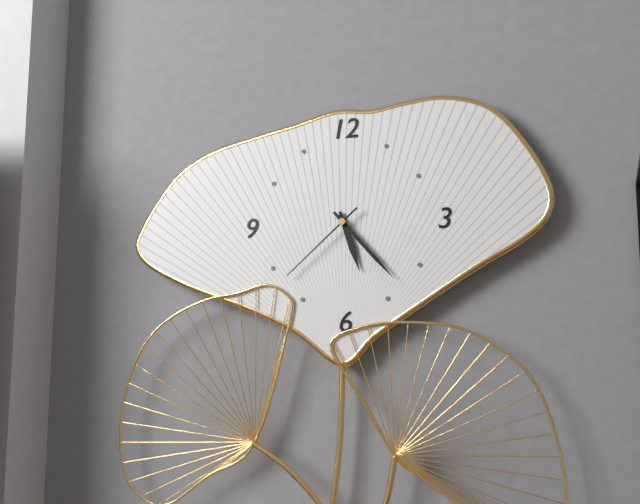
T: 5:23:38
